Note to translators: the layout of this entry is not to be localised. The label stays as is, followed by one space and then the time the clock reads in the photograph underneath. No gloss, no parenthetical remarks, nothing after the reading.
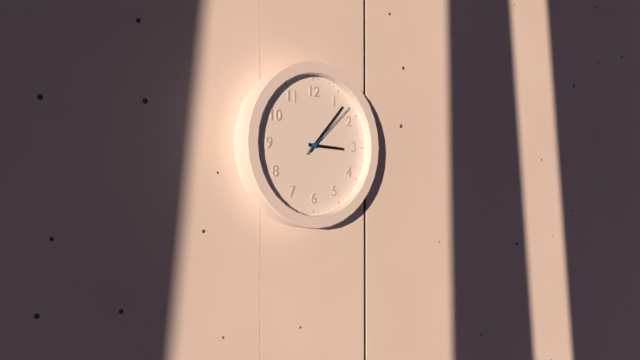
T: 3:07:08
